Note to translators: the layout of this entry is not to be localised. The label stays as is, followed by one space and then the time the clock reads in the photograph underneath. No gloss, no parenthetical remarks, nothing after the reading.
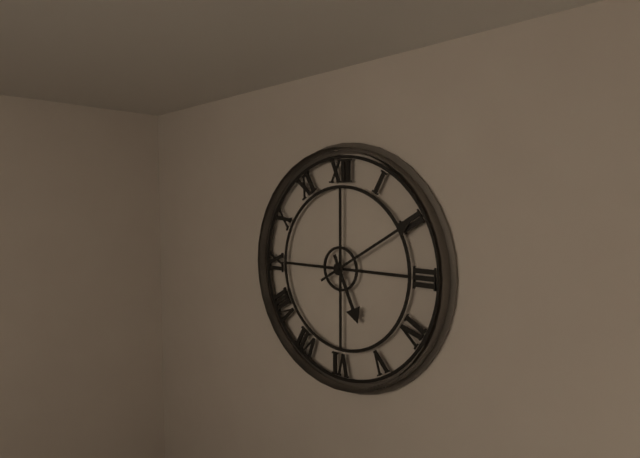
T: 5:10
